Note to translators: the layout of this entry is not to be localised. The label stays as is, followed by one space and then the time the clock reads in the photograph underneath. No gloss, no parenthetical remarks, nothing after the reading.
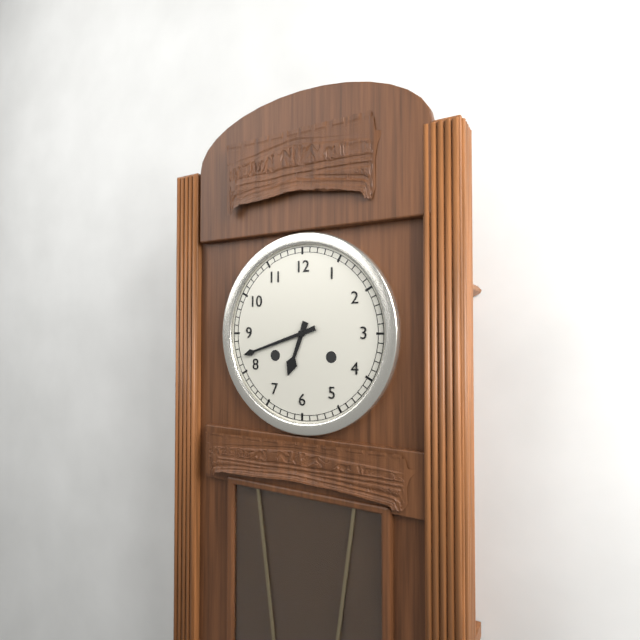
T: 6:42
